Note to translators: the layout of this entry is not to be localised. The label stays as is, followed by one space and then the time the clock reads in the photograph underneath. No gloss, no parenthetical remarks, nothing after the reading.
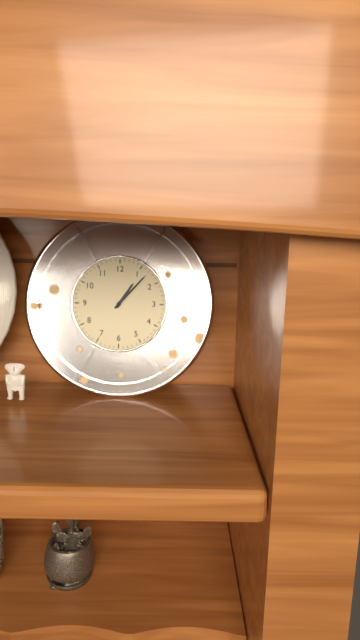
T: 1:07
